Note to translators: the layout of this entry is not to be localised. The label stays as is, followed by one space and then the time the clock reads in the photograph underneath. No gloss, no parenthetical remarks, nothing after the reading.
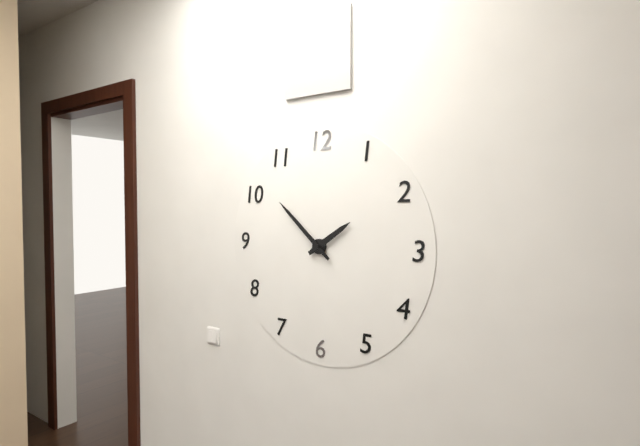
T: 1:52
